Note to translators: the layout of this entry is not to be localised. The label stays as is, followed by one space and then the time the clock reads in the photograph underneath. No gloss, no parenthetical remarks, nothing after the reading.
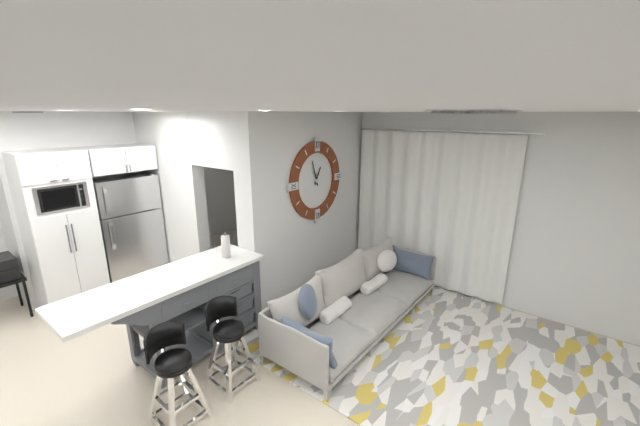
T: 12:57
